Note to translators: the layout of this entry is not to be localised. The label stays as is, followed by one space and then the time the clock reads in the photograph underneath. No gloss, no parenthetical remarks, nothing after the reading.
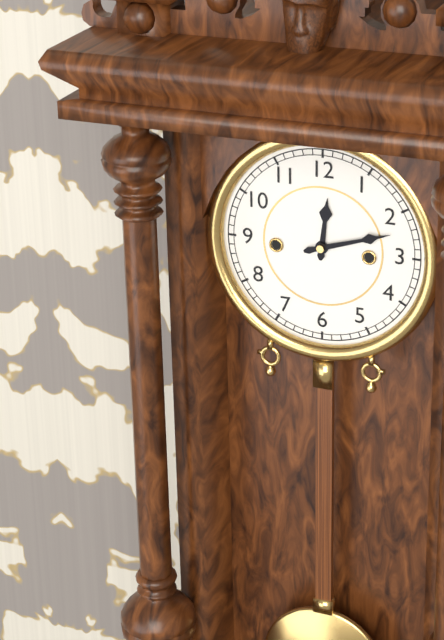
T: 12:12
